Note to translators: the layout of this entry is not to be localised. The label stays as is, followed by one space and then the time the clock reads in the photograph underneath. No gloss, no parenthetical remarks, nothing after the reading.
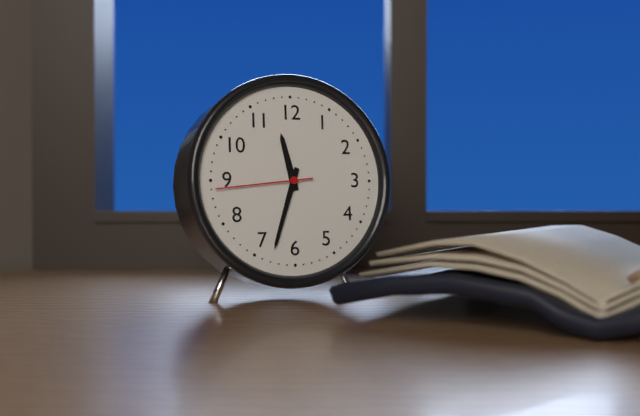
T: 11:33:44
